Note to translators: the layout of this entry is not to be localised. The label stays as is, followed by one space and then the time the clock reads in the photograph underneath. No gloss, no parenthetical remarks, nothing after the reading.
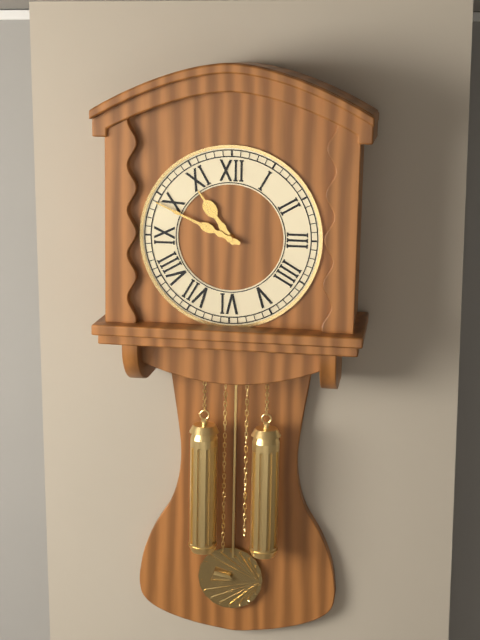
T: 10:49
